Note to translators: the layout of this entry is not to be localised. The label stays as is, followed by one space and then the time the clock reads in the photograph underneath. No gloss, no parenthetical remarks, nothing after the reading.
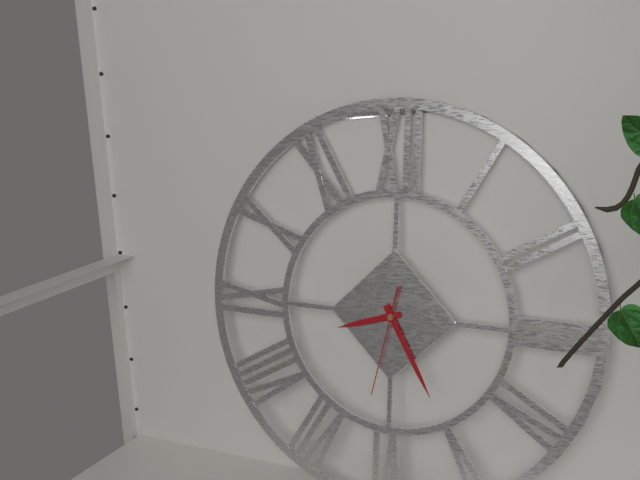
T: 8:25:32
